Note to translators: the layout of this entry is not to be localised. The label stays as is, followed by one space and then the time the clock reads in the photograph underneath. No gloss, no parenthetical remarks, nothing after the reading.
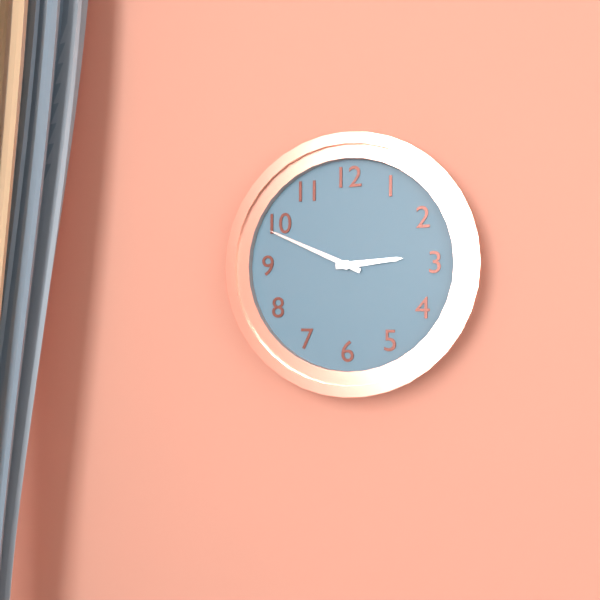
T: 2:49
